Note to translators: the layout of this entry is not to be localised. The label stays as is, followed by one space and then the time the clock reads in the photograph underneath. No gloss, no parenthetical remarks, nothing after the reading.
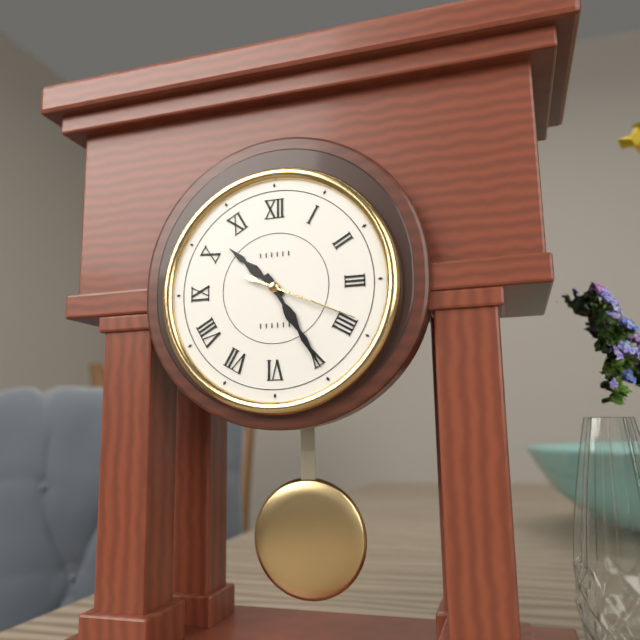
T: 10:25:19
